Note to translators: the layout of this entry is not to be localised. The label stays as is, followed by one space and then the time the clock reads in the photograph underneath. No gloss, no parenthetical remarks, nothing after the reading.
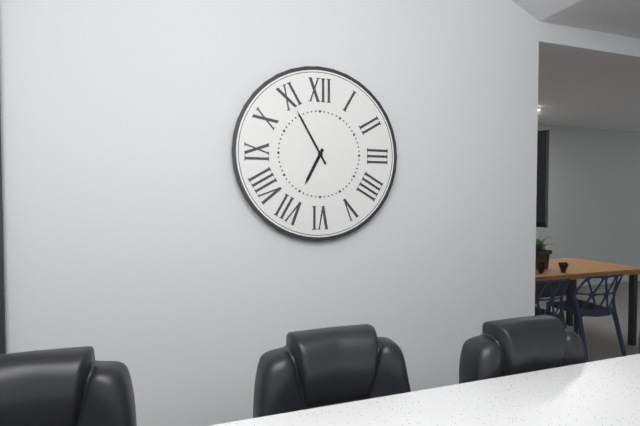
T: 6:55
